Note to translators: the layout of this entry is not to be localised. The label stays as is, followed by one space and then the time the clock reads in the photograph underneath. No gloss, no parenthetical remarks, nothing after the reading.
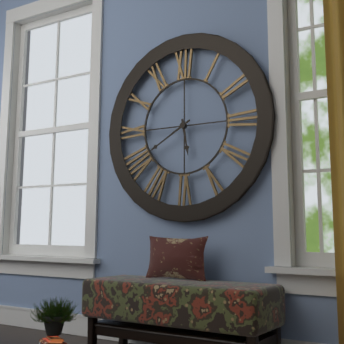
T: 5:40
